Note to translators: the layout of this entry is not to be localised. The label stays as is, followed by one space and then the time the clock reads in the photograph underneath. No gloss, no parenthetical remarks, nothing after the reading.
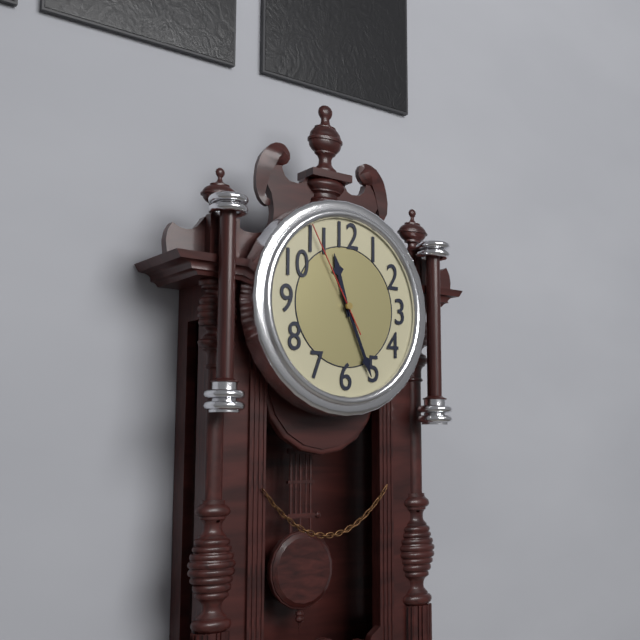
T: 11:26:55
